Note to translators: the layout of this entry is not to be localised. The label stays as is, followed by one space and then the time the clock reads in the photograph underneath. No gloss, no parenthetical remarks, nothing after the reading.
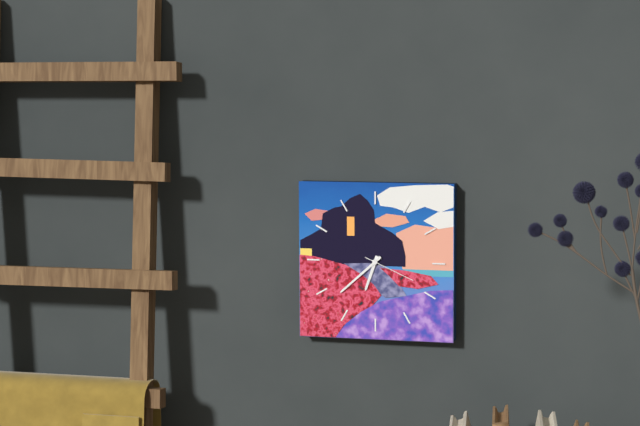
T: 6:38:19
